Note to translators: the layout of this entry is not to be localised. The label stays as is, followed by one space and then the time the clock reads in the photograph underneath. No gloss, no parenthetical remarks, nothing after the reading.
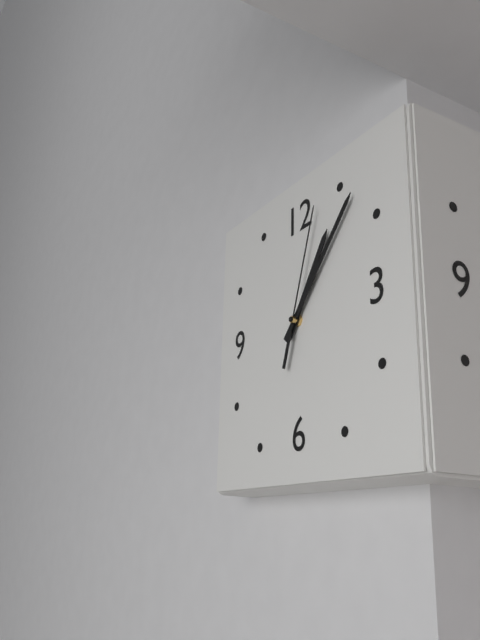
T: 1:07:03
